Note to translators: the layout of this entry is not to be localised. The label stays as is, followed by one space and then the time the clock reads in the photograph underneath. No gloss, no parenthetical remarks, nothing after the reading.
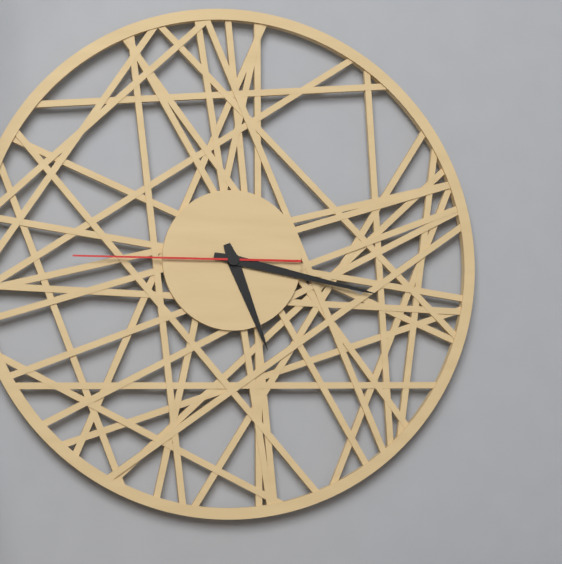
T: 5:17:45
